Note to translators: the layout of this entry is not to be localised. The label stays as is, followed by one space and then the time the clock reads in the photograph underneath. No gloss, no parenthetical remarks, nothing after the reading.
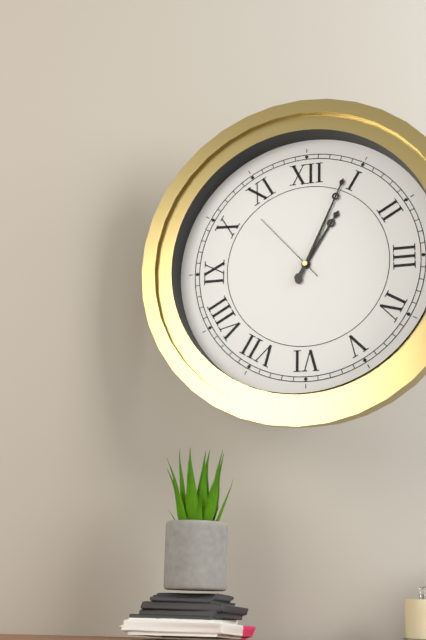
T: 1:04:53
